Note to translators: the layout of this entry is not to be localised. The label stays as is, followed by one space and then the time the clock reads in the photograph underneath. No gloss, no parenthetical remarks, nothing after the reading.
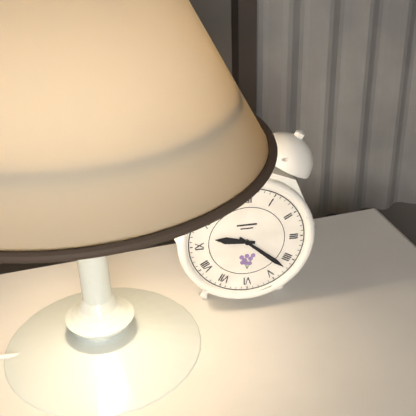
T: 9:22
